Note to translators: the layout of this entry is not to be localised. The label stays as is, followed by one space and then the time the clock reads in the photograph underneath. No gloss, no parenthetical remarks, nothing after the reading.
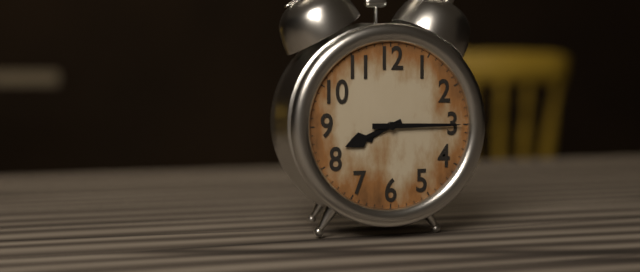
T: 8:15
